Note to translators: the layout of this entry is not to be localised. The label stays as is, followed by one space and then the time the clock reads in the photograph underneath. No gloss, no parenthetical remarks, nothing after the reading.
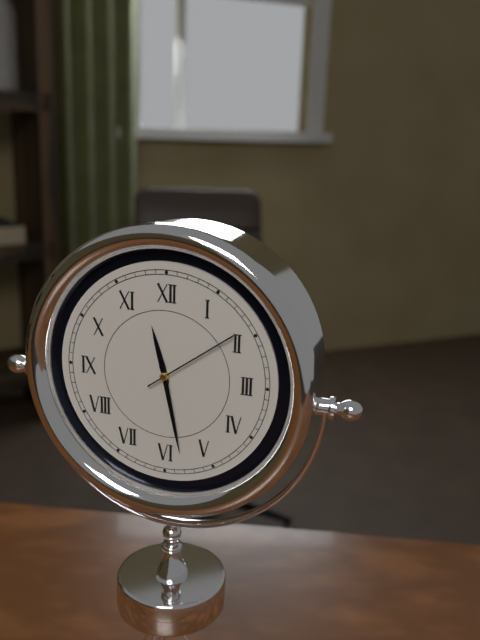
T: 11:28:09
